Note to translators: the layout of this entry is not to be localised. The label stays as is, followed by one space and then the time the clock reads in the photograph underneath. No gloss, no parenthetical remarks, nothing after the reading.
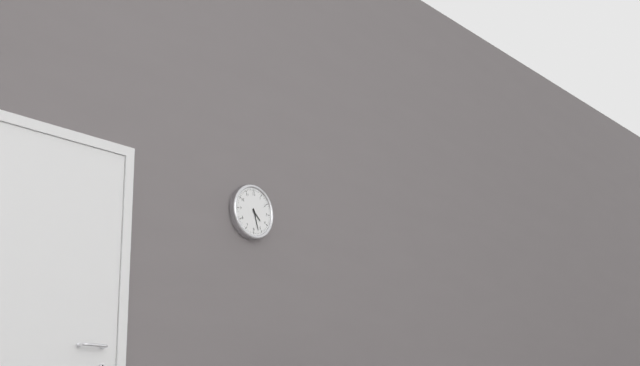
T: 4:27
